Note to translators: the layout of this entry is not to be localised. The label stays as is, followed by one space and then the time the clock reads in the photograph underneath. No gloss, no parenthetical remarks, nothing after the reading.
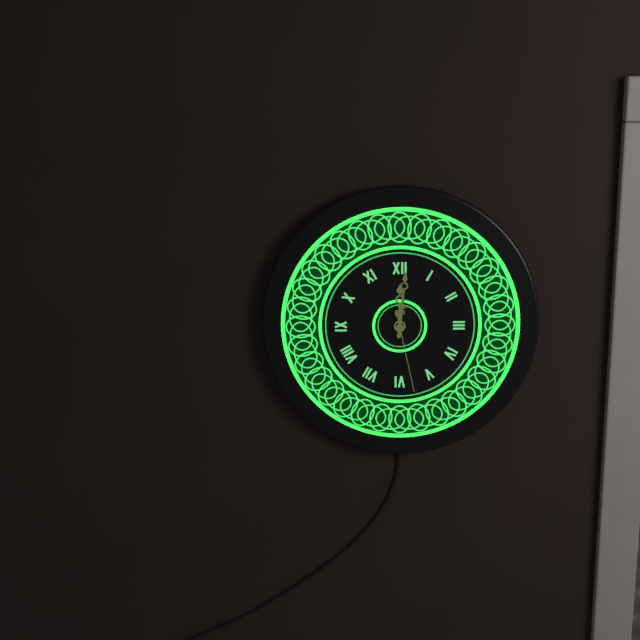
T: 12:01:28
